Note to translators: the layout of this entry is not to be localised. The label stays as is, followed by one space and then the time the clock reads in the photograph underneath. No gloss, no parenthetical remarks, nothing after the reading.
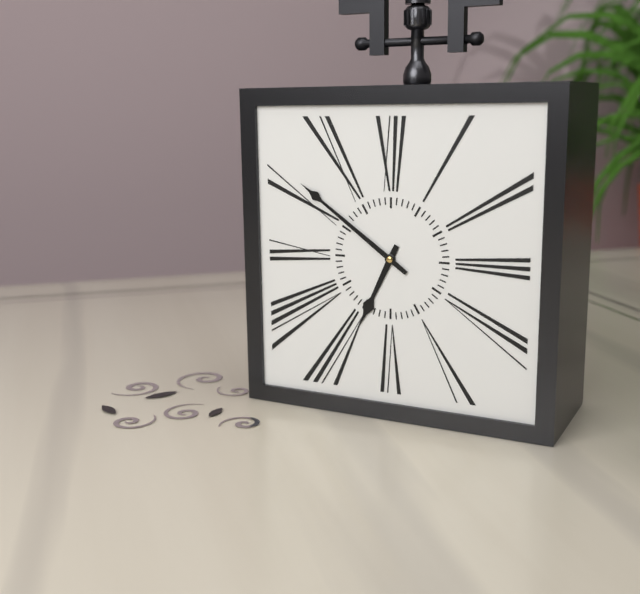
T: 6:51
